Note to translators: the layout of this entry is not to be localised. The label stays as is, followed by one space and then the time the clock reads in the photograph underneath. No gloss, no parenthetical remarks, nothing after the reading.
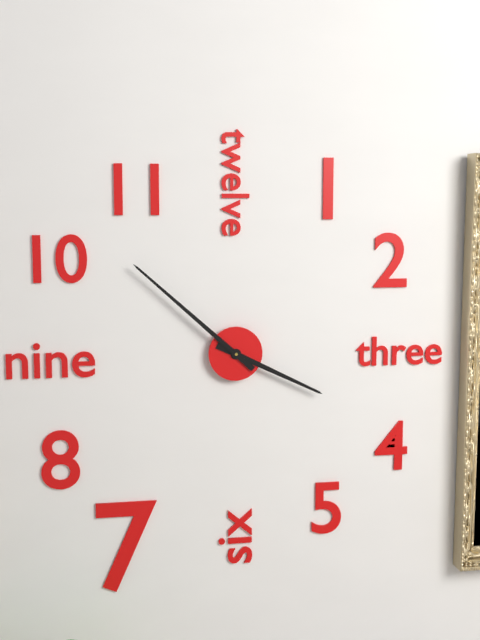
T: 3:52
